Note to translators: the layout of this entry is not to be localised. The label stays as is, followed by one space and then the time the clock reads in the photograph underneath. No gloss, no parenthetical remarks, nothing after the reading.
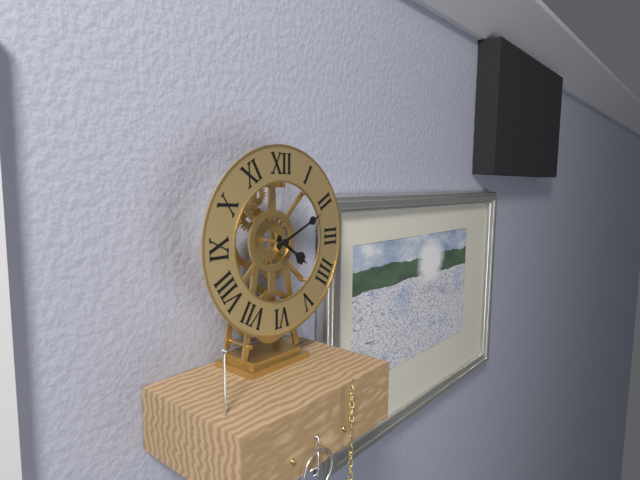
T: 4:11
